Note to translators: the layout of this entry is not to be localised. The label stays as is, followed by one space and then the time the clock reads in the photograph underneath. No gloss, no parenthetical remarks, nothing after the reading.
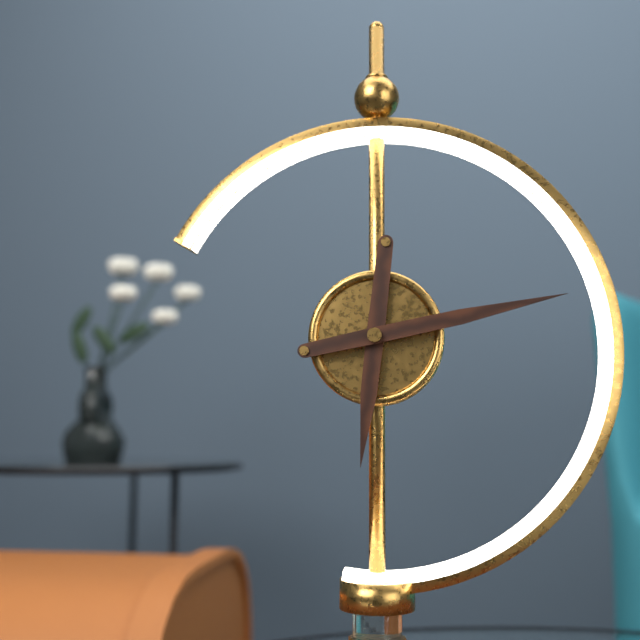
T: 6:13
